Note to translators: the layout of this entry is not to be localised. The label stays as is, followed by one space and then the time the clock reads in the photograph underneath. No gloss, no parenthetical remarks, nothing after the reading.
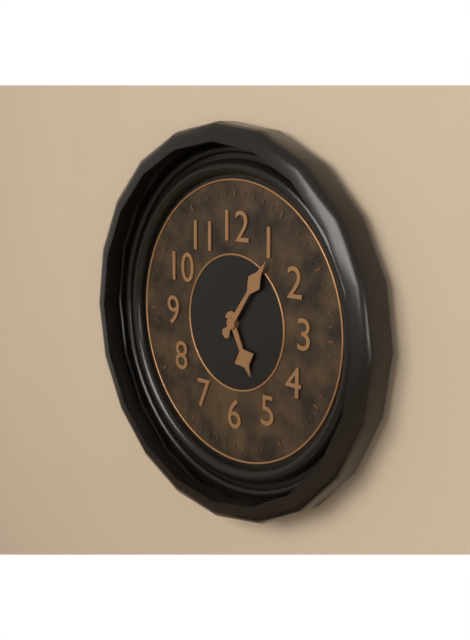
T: 5:06
